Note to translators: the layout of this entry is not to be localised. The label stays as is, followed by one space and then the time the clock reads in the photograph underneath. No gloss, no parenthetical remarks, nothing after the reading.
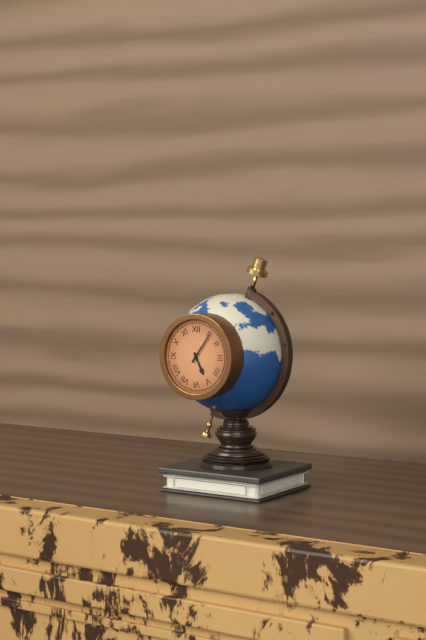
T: 5:06
